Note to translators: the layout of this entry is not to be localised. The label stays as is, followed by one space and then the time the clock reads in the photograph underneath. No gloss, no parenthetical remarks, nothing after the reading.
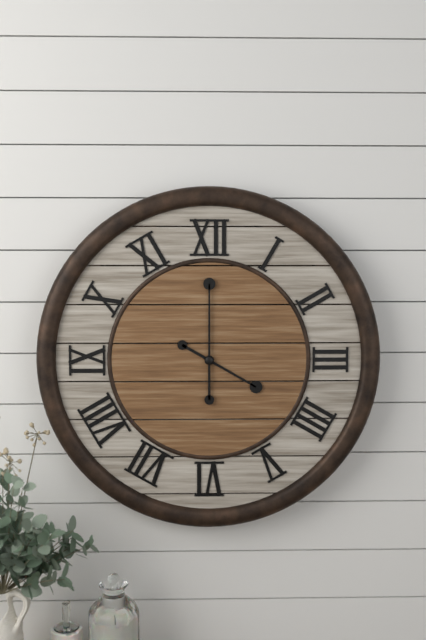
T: 4:00
